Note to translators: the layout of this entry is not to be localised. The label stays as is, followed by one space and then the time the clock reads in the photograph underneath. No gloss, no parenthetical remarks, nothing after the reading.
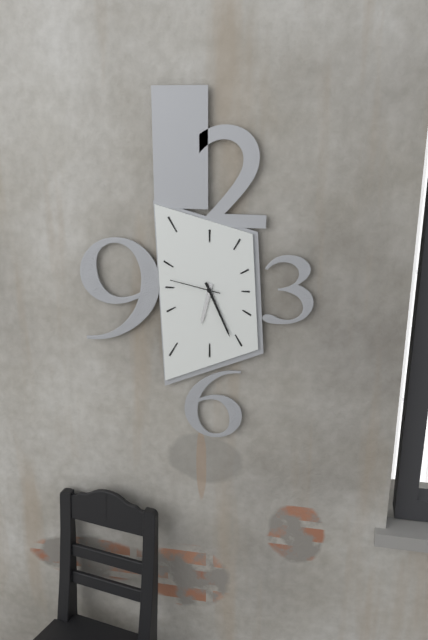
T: 6:26:47
